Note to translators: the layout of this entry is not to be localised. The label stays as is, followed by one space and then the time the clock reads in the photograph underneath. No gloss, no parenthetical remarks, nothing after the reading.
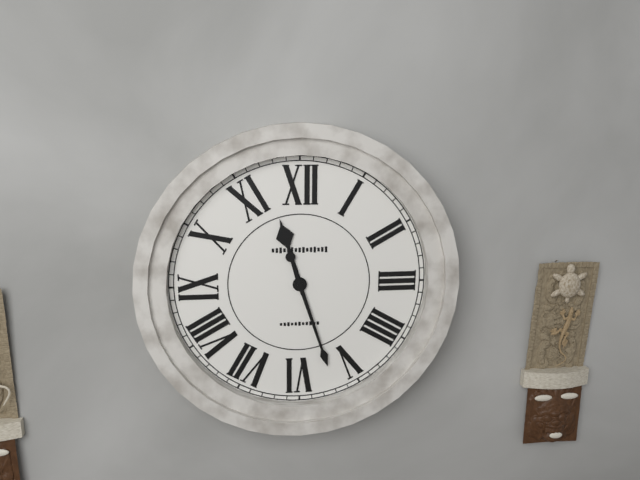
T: 11:27
